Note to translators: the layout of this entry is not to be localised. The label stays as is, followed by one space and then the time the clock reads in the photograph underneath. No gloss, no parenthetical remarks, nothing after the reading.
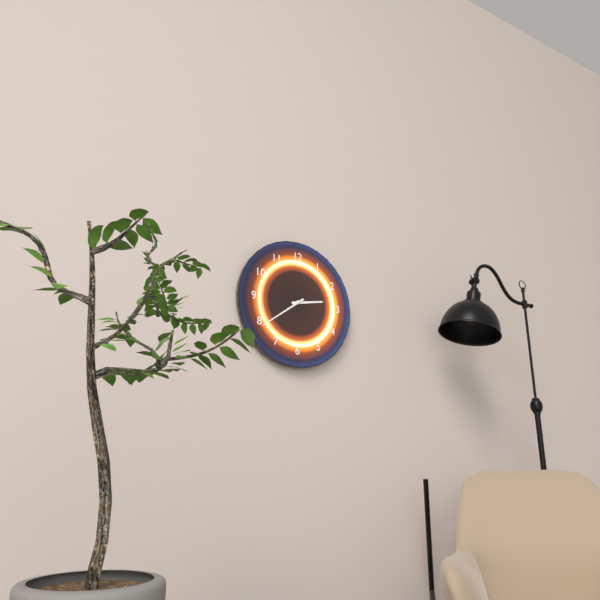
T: 2:39
